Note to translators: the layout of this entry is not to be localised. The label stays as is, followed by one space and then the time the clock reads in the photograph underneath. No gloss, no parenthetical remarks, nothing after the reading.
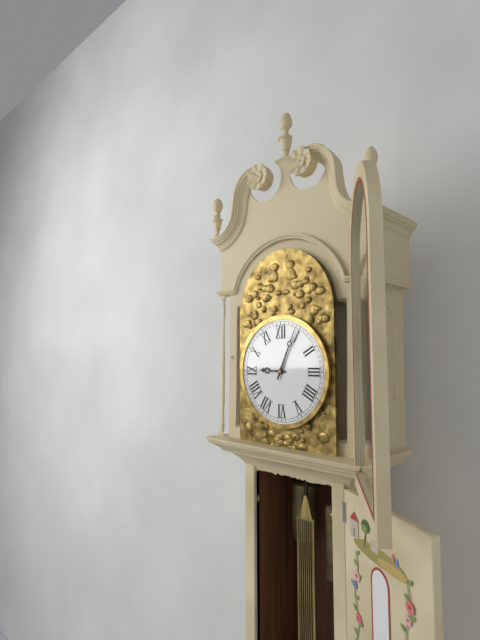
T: 9:04
